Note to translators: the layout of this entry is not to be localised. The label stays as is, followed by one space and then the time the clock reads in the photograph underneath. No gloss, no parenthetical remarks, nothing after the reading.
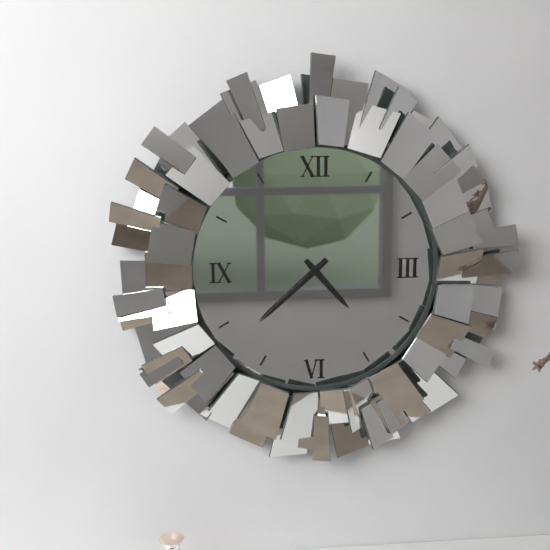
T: 4:38
